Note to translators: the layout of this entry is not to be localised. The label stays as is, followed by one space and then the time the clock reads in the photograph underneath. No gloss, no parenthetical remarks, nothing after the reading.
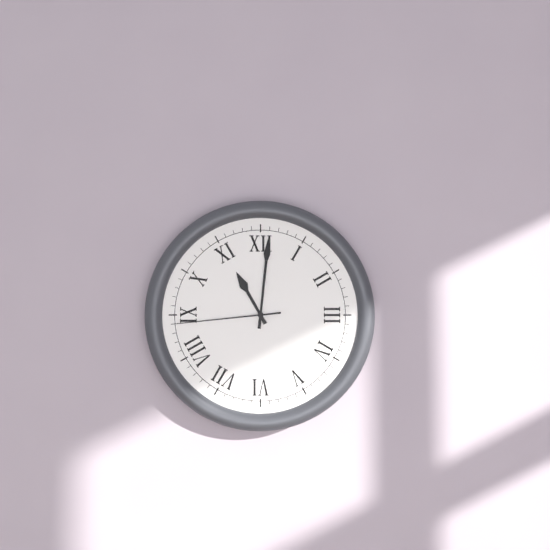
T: 11:01:44
